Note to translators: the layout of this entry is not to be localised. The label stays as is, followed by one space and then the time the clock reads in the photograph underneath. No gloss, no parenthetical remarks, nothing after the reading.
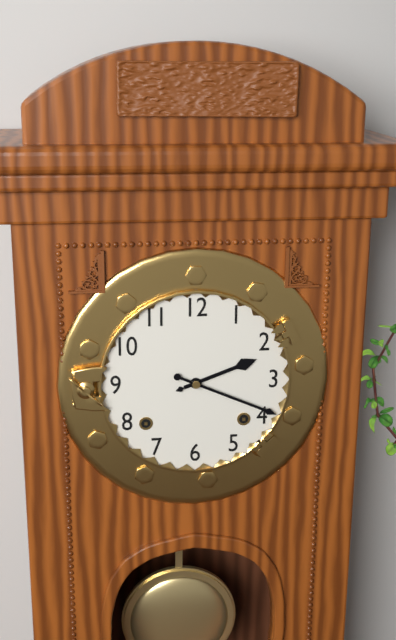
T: 2:19
